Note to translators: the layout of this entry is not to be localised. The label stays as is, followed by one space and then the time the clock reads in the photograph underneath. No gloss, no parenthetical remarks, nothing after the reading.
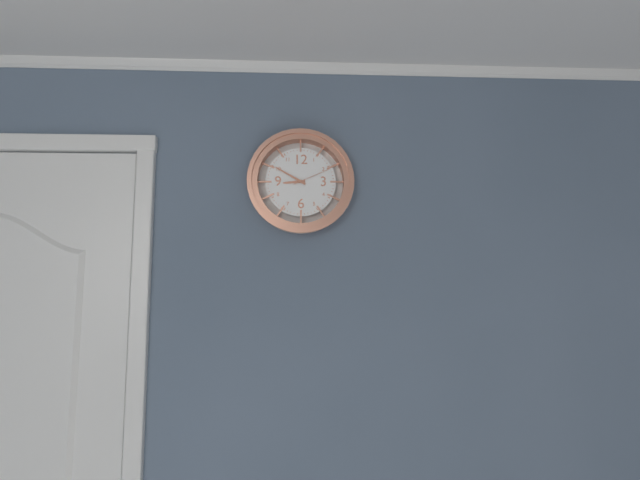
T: 8:50
